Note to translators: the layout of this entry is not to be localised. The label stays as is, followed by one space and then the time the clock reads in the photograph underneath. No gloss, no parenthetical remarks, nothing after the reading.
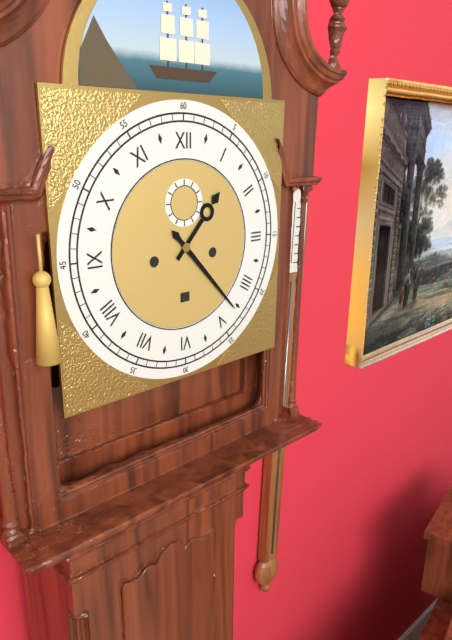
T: 1:23
